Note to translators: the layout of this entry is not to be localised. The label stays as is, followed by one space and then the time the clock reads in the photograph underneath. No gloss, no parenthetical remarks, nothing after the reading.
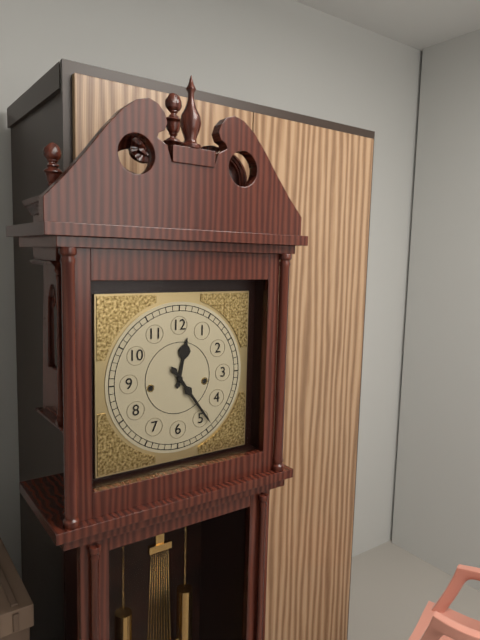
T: 12:24
